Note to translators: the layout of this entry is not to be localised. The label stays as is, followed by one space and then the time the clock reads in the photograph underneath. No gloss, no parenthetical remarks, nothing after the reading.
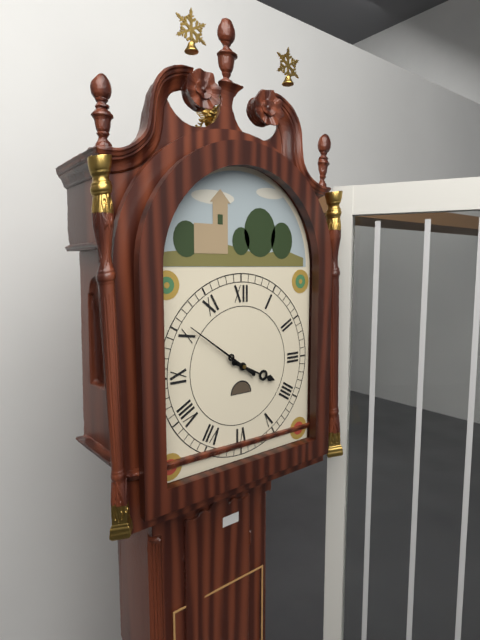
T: 3:51
